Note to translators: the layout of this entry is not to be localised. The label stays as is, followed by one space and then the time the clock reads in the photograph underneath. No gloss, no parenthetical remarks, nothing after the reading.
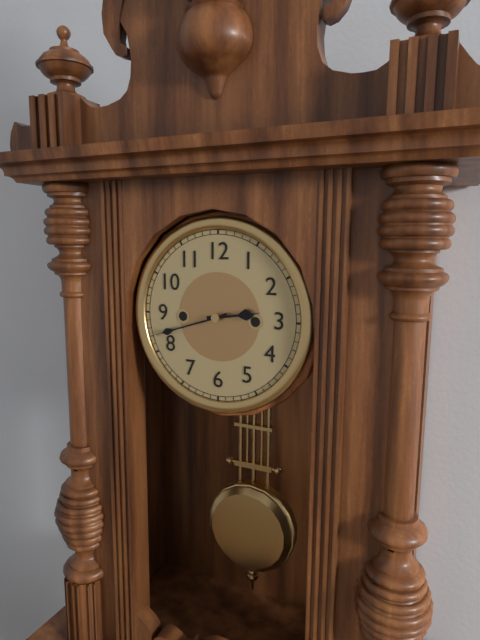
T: 2:42
